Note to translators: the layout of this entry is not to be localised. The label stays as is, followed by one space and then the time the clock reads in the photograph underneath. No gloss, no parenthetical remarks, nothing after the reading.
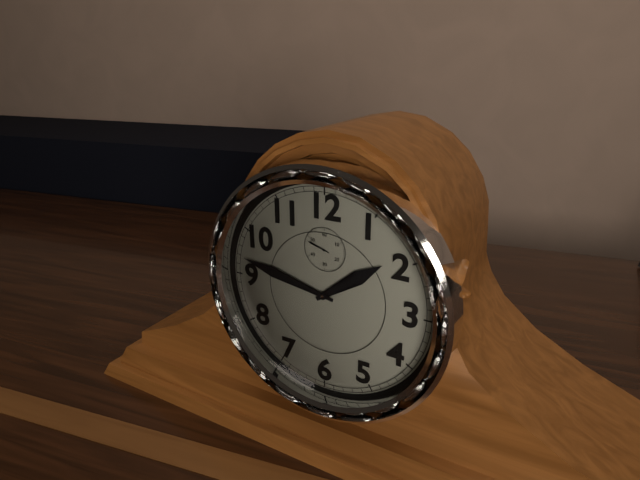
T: 1:47
